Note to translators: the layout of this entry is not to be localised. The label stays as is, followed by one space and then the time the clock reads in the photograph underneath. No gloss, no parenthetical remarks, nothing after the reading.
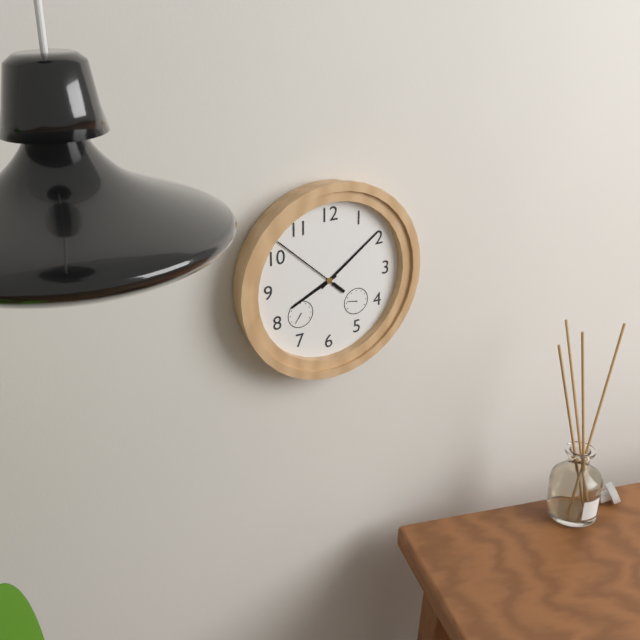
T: 8:09:52
